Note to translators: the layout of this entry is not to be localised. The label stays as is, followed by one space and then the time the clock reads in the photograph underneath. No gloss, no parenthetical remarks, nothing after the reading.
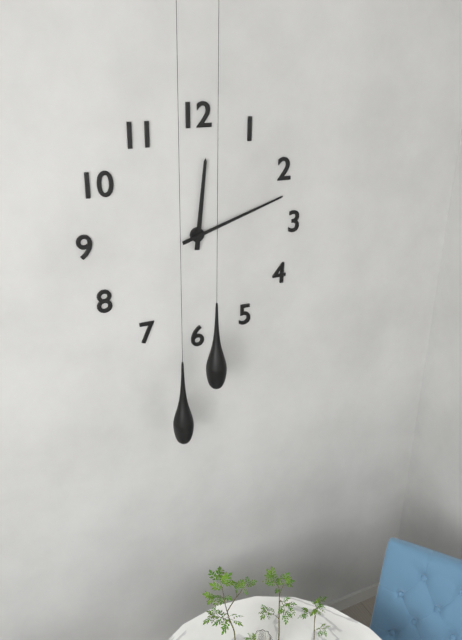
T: 12:12
